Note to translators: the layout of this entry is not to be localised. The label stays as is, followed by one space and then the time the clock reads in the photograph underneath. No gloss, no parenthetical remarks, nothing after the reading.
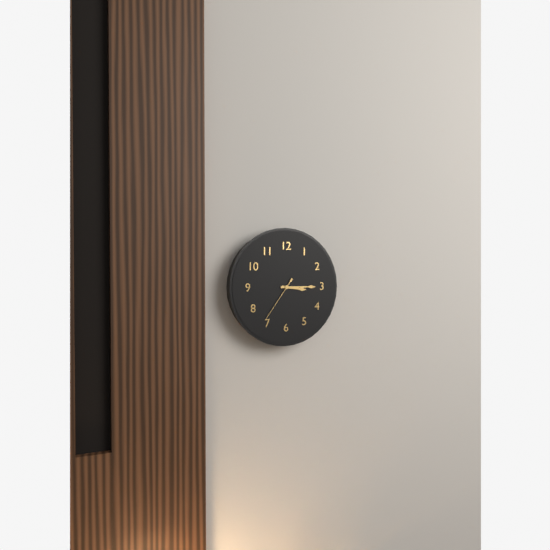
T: 3:15
